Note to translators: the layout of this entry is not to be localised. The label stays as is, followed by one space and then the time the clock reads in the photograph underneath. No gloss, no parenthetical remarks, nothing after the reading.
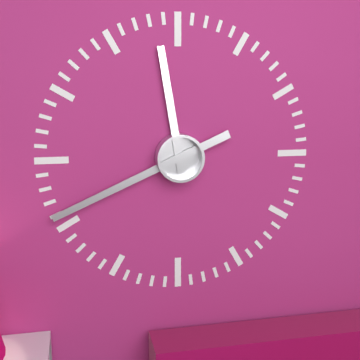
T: 11:41
